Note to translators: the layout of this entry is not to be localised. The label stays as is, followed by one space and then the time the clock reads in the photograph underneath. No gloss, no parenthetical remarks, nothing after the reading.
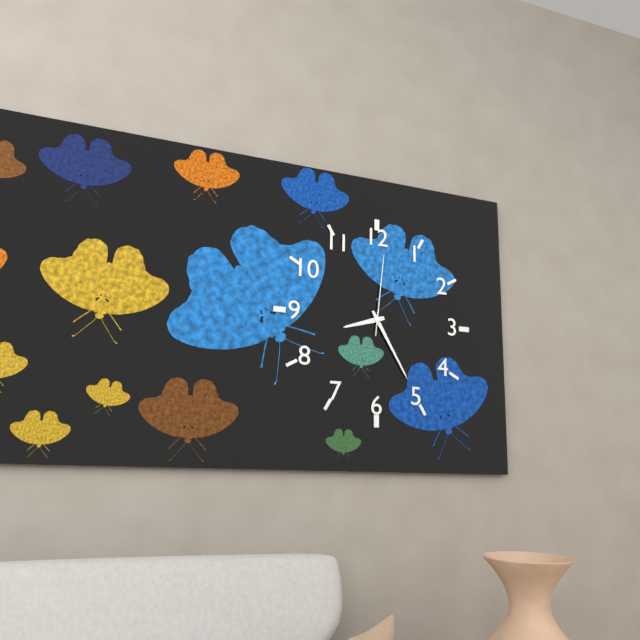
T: 8:25:01
